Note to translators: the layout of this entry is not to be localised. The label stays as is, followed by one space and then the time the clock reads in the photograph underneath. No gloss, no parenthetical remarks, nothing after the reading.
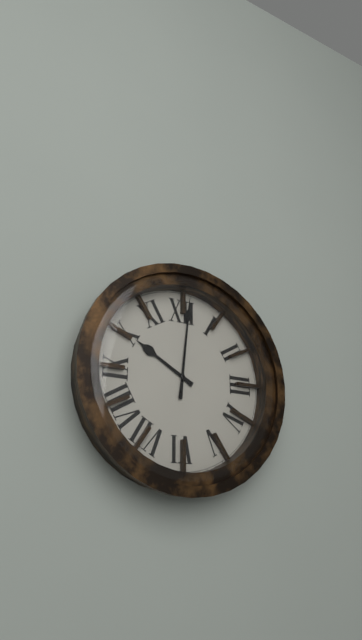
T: 10:01
